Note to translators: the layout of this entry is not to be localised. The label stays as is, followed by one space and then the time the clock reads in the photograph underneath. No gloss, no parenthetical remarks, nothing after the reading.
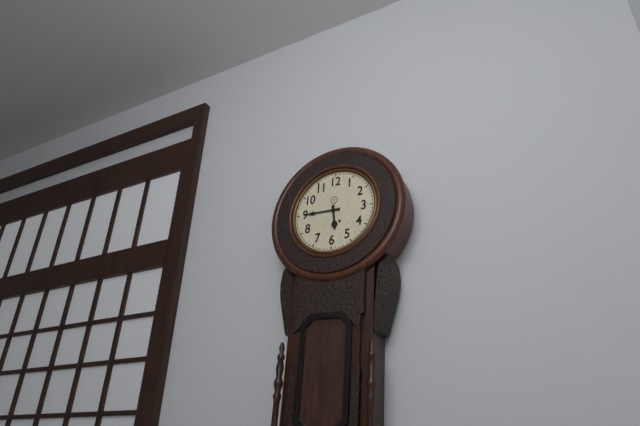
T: 5:45
